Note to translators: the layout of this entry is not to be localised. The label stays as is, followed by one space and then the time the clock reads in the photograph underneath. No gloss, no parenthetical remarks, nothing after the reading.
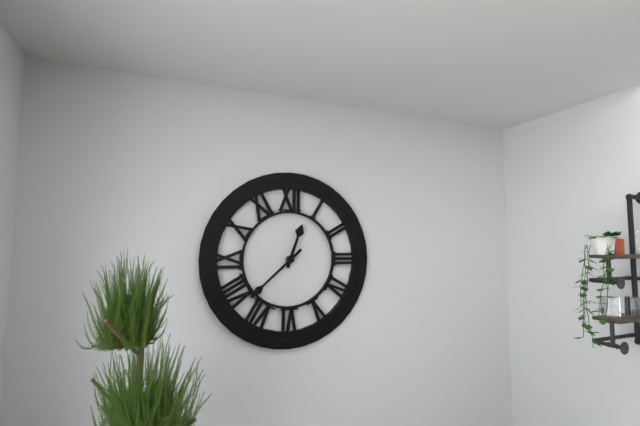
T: 12:38
